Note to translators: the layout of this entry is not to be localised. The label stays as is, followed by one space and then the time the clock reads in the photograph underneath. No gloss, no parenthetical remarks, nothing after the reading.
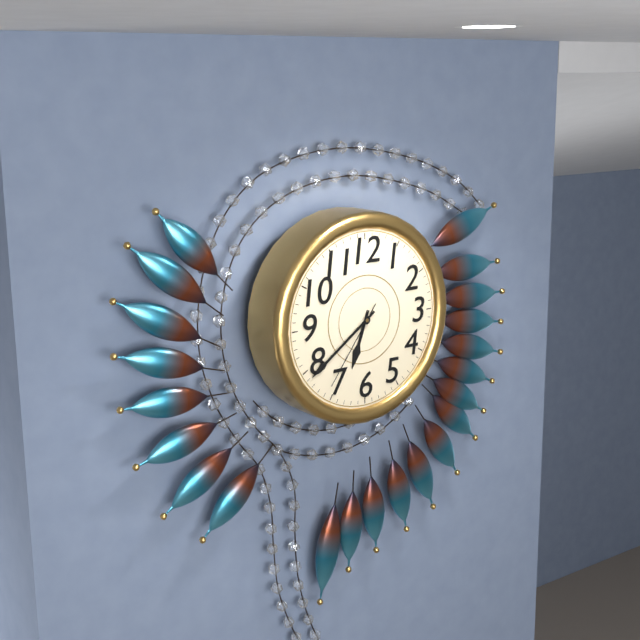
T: 6:39:36
